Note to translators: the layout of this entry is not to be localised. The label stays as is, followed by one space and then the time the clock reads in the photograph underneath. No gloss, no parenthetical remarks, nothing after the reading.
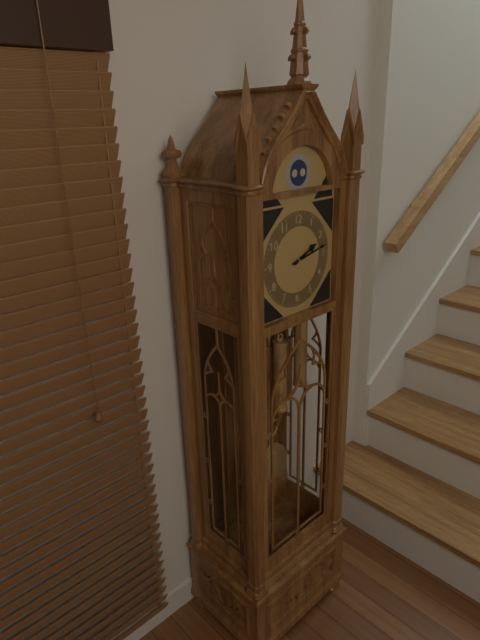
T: 2:13
